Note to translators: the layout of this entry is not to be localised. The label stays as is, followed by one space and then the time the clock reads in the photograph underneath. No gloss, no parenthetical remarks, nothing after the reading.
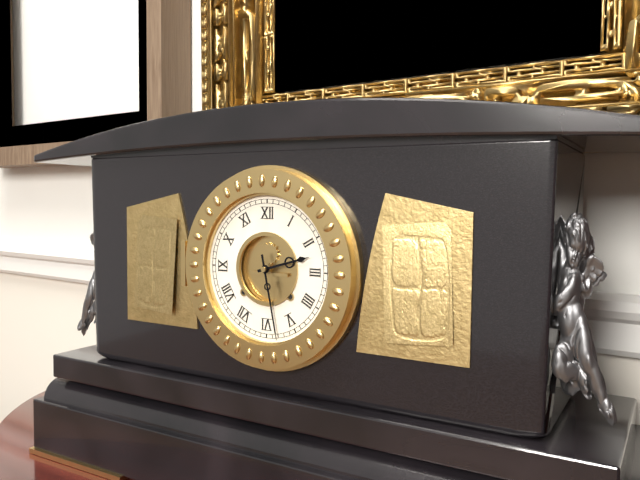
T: 2:28
